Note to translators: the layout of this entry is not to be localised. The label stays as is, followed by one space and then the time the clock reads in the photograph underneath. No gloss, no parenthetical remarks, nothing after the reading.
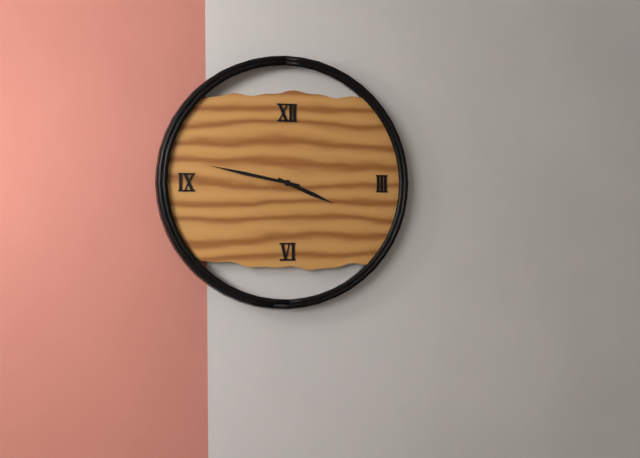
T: 3:47
